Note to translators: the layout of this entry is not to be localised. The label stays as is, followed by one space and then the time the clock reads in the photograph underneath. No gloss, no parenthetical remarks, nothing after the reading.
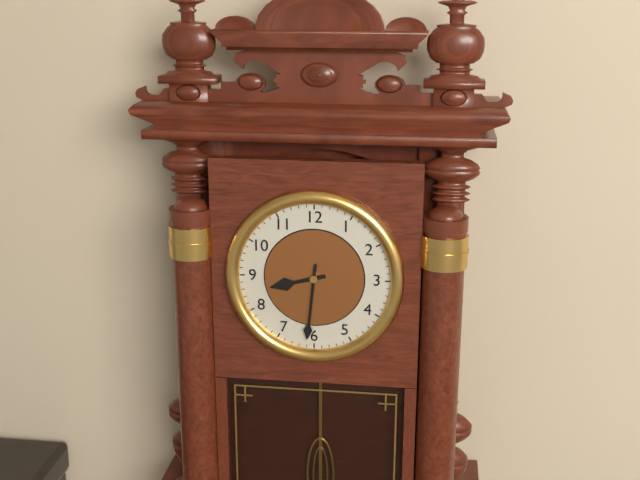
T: 8:31
